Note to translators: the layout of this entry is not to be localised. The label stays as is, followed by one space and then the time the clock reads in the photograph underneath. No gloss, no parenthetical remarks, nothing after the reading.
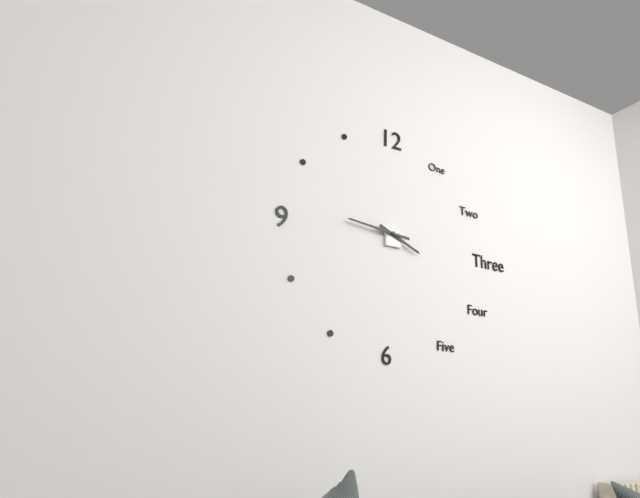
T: 3:46
